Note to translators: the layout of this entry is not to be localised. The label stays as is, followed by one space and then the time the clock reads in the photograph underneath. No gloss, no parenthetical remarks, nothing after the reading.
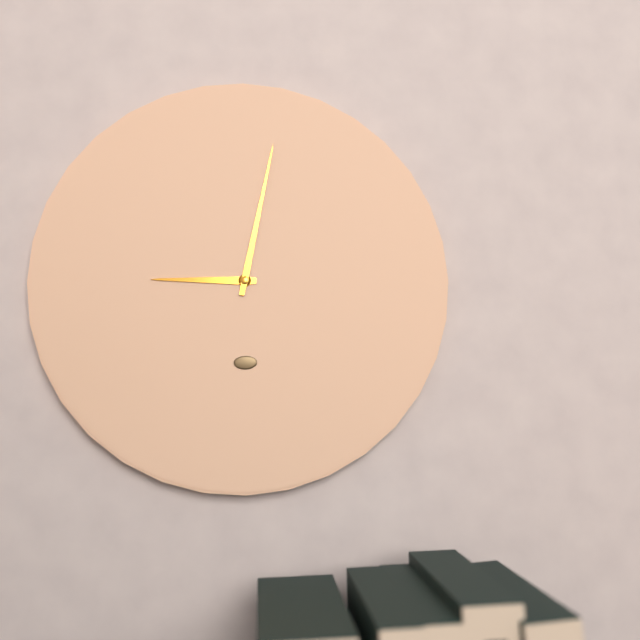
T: 9:02
